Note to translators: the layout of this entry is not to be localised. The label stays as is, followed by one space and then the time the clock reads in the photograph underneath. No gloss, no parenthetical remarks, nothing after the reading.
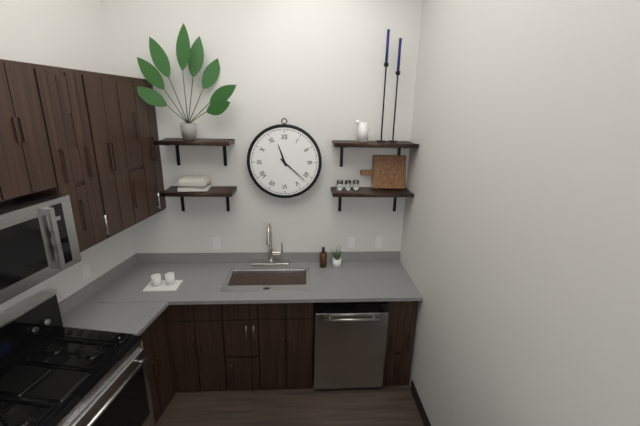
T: 11:22
